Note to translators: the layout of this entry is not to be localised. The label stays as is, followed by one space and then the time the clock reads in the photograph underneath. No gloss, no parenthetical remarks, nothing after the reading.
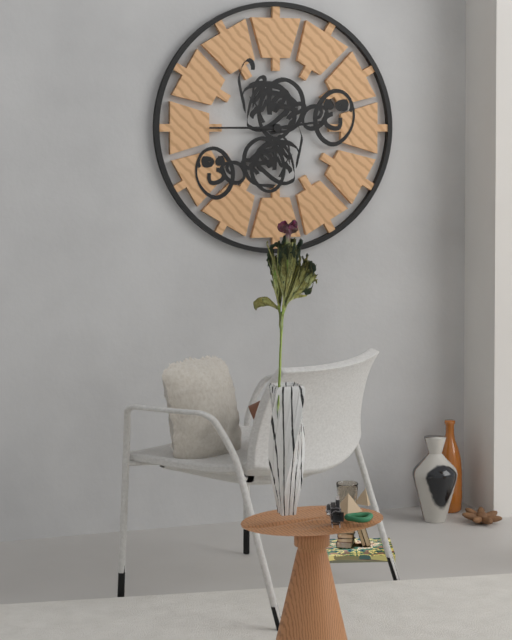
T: 2:45
